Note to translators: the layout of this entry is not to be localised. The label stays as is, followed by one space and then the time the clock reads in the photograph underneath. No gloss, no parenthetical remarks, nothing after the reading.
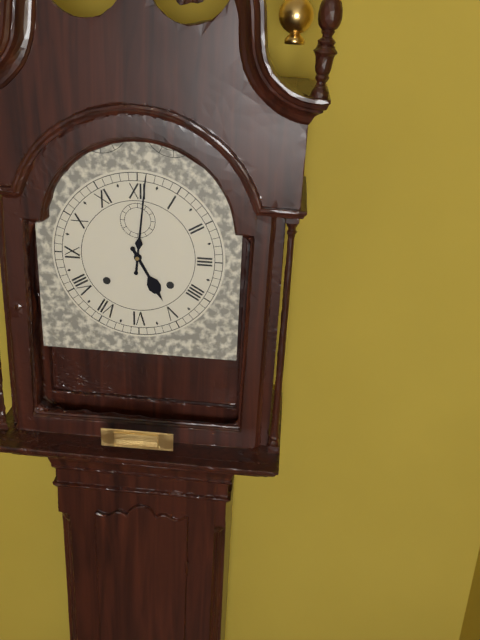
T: 5:01
